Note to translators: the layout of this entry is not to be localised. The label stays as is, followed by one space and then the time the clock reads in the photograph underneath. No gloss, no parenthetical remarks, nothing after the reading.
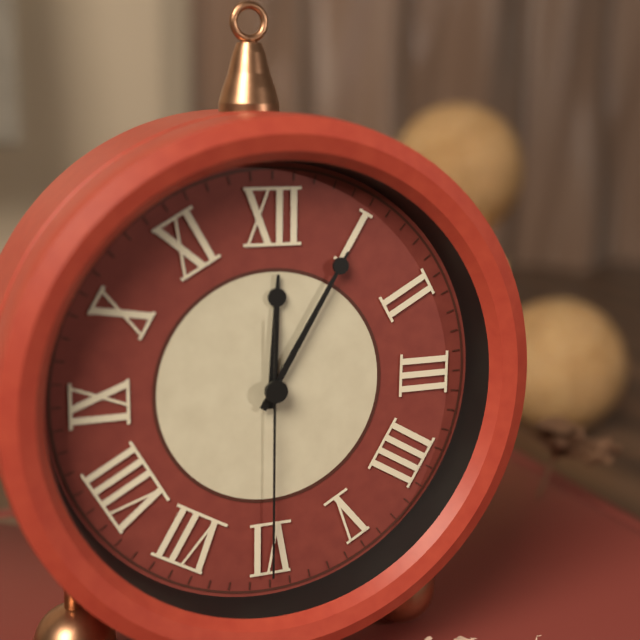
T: 12:05:30
